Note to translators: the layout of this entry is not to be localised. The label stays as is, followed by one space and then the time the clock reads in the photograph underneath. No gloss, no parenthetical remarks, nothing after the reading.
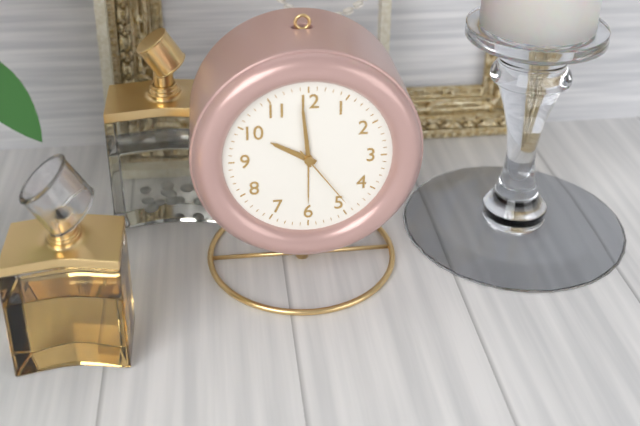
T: 9:59:24
